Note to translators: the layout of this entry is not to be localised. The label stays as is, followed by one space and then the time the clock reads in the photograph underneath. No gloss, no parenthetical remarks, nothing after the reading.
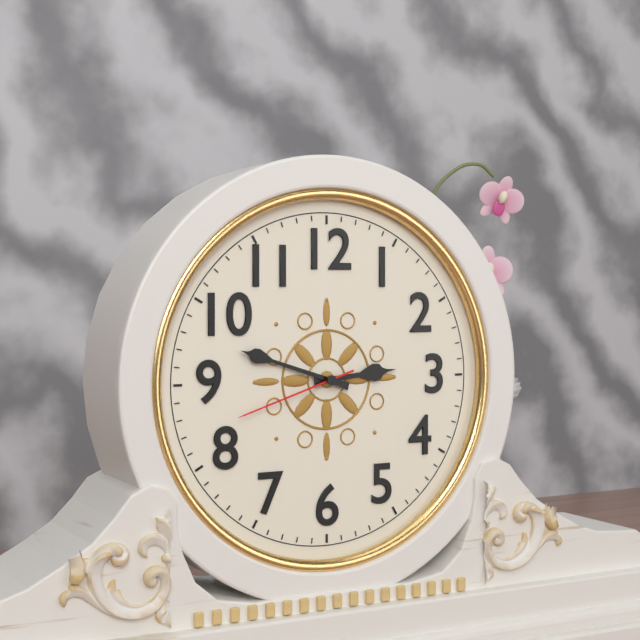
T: 2:48:42
